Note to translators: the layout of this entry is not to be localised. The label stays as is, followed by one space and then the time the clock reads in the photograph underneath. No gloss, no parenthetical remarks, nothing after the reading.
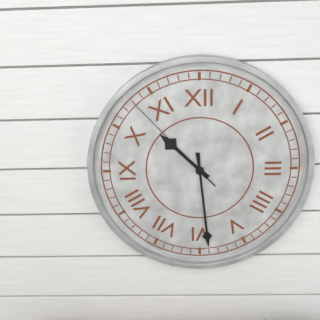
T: 10:29:53
